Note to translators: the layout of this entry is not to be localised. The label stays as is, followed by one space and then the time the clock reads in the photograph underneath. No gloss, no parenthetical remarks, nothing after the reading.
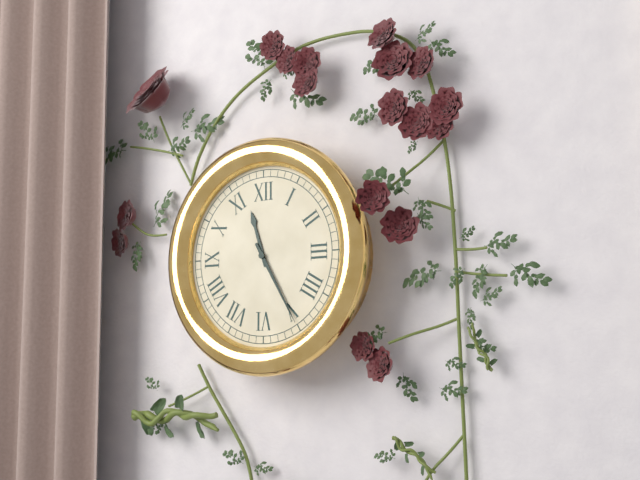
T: 11:25
